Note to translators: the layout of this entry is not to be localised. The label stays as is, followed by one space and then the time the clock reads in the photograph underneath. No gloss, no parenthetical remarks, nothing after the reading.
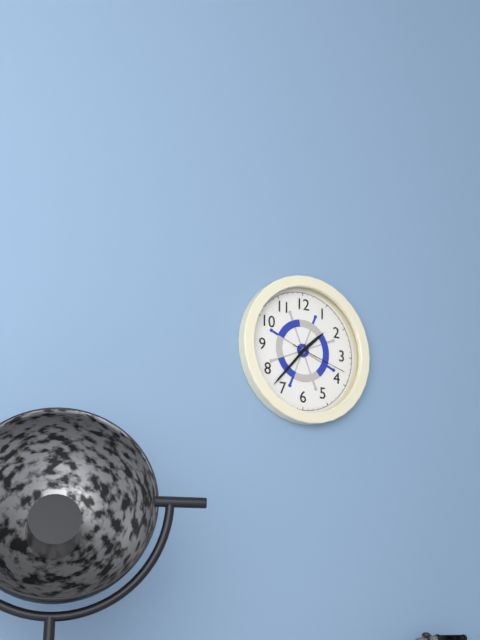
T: 1:37:18
